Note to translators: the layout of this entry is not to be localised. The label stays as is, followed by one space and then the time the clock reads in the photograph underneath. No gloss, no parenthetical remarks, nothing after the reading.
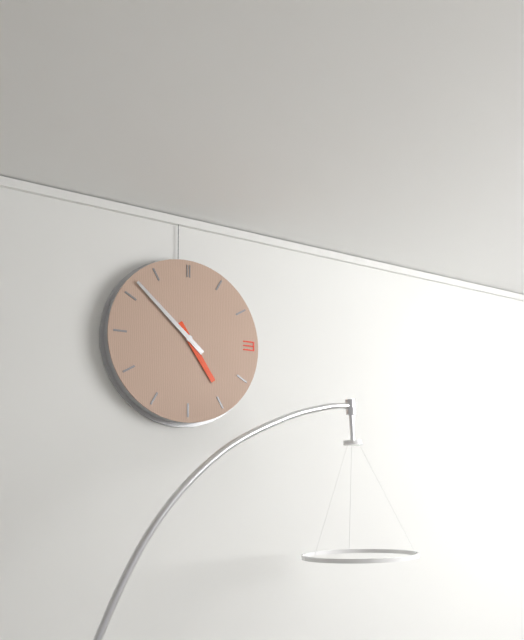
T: 4:52
